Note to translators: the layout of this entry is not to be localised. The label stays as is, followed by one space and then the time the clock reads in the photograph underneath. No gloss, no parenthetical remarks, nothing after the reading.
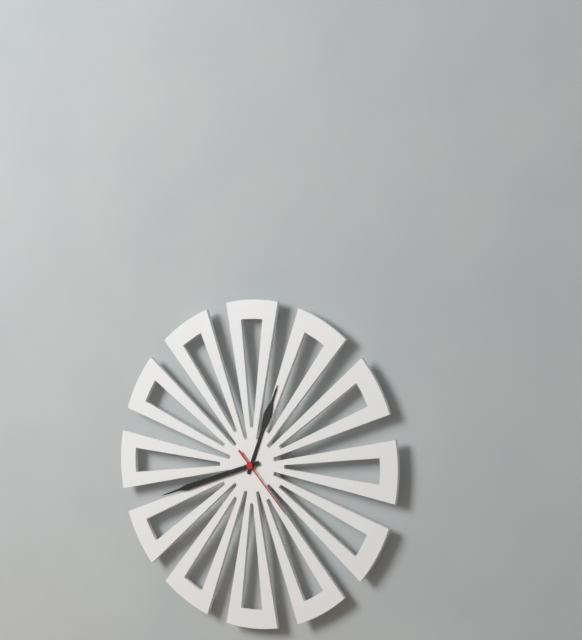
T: 12:42:23
